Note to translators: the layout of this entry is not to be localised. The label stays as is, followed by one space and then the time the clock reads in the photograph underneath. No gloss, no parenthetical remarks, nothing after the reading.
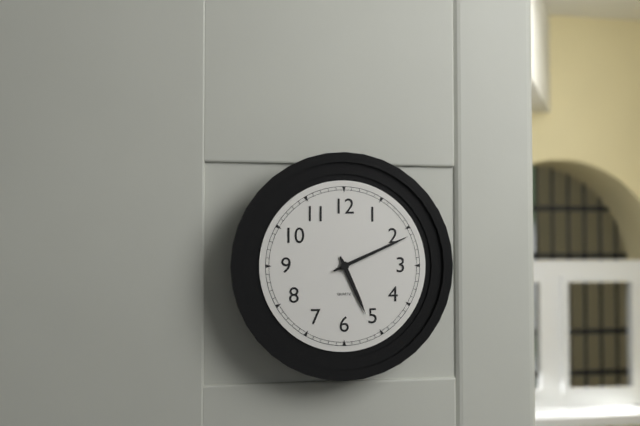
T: 5:11
